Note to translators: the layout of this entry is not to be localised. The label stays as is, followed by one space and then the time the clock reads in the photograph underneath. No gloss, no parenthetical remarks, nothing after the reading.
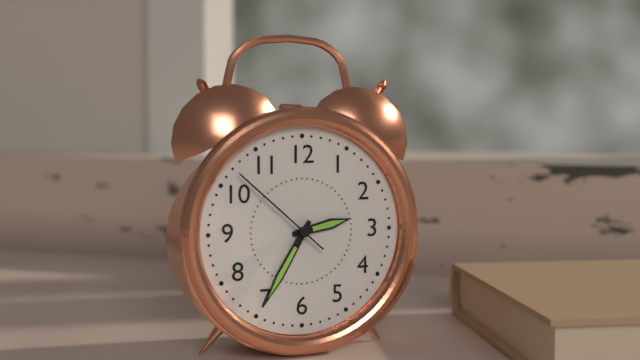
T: 2:35:52
